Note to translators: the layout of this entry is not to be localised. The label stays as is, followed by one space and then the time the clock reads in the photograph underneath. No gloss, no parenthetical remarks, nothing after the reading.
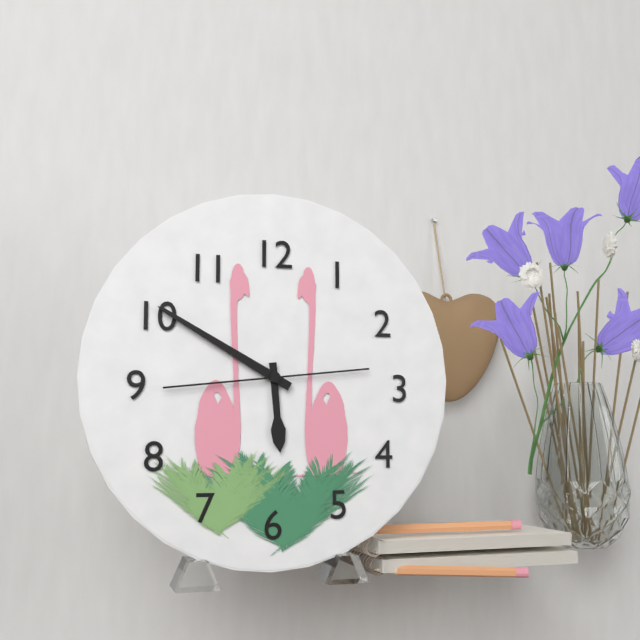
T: 5:50:44
